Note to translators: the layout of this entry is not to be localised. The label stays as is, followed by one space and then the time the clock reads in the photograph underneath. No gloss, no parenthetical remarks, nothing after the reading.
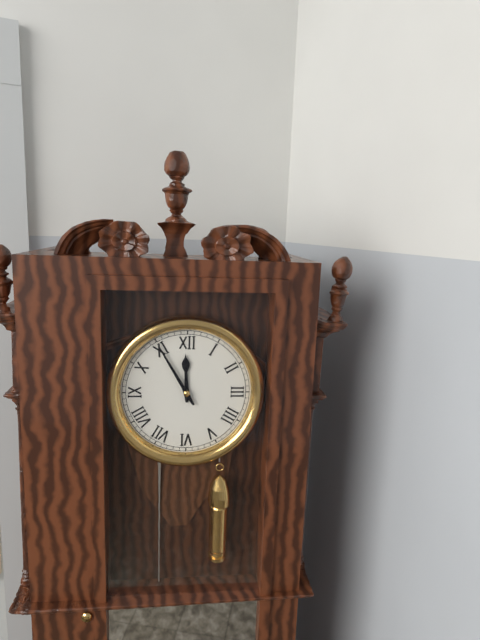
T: 11:55
